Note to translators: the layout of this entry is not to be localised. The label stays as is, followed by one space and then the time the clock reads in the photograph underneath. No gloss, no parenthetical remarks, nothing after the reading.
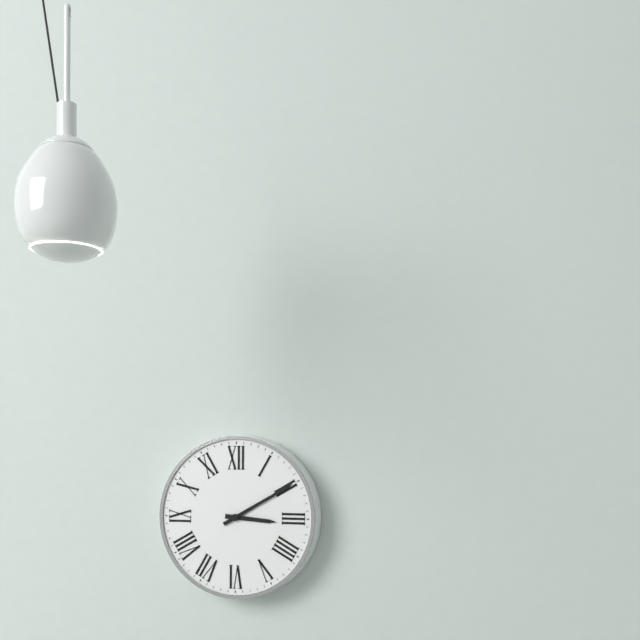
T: 3:10
